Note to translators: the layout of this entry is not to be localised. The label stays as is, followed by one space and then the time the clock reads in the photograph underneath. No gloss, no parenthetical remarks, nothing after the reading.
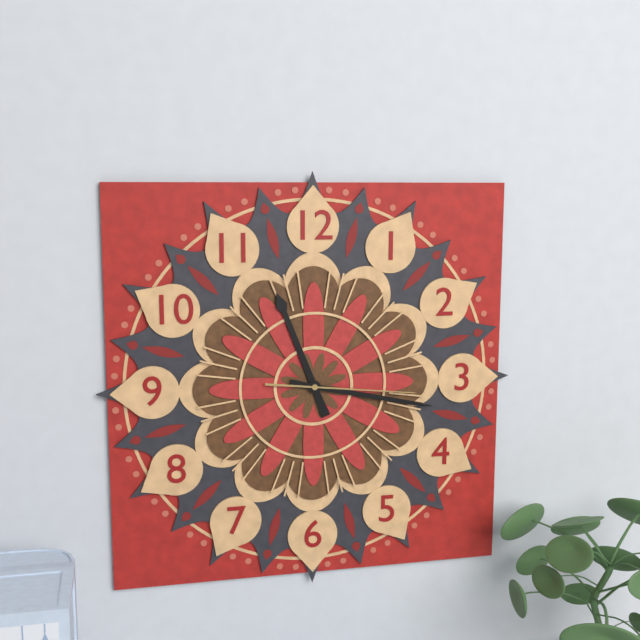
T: 11:17:16
